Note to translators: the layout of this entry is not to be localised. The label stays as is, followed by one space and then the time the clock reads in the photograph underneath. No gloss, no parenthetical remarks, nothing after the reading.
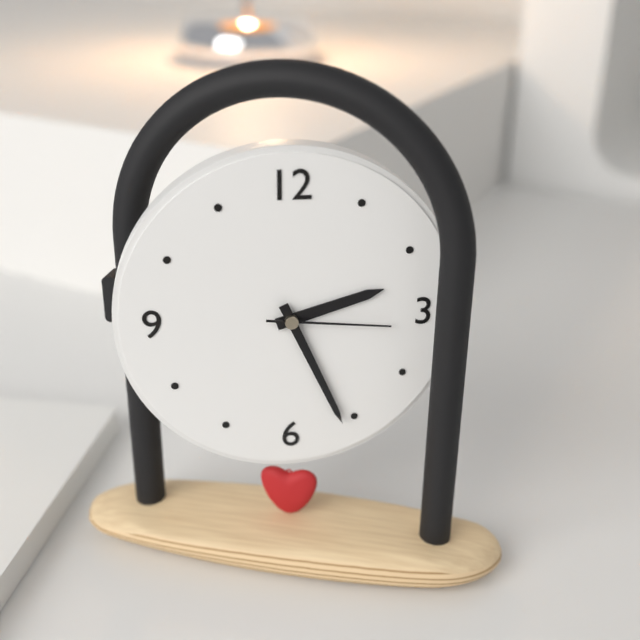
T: 2:26:16
